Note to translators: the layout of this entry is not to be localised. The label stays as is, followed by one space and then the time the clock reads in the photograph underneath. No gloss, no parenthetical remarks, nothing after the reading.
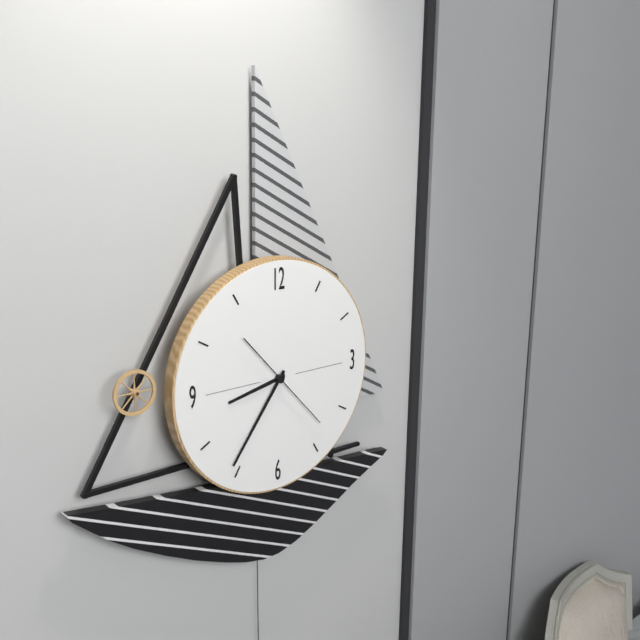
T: 8:36:23
